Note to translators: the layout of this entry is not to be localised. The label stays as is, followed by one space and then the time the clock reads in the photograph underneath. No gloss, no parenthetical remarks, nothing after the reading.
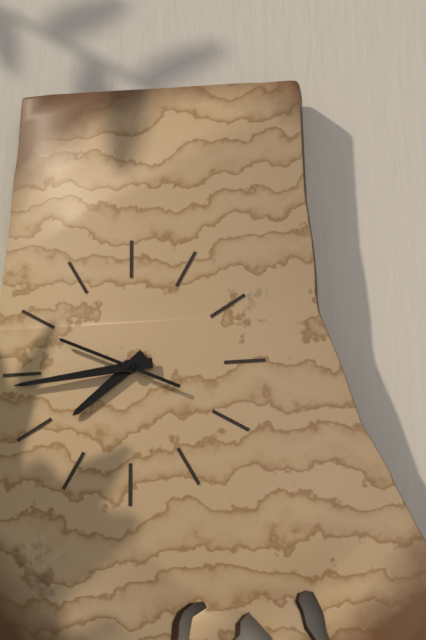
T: 7:44:49
